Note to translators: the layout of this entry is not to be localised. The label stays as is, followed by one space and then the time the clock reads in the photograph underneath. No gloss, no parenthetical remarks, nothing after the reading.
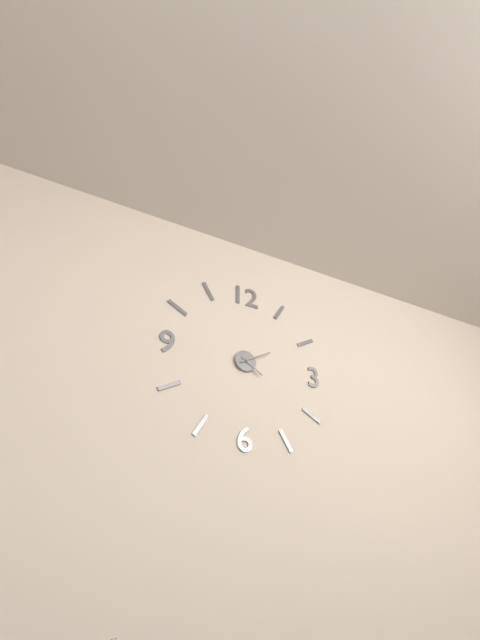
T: 4:10
